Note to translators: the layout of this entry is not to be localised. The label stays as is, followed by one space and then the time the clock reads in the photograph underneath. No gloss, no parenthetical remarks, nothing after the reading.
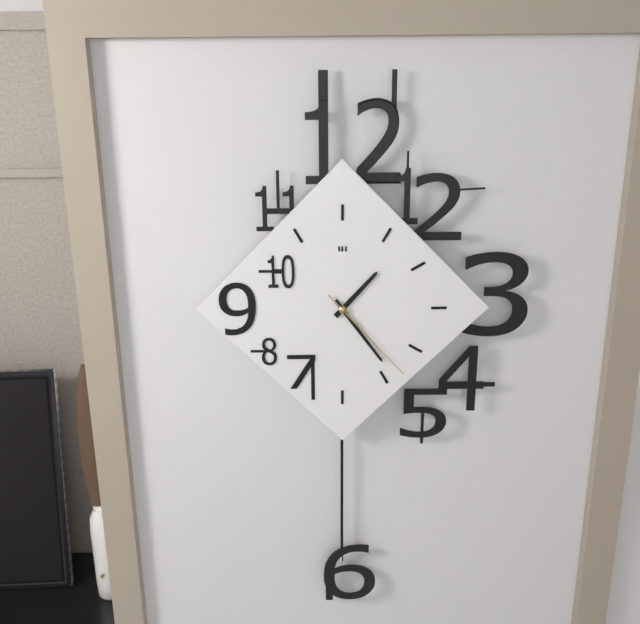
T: 1:24:23
